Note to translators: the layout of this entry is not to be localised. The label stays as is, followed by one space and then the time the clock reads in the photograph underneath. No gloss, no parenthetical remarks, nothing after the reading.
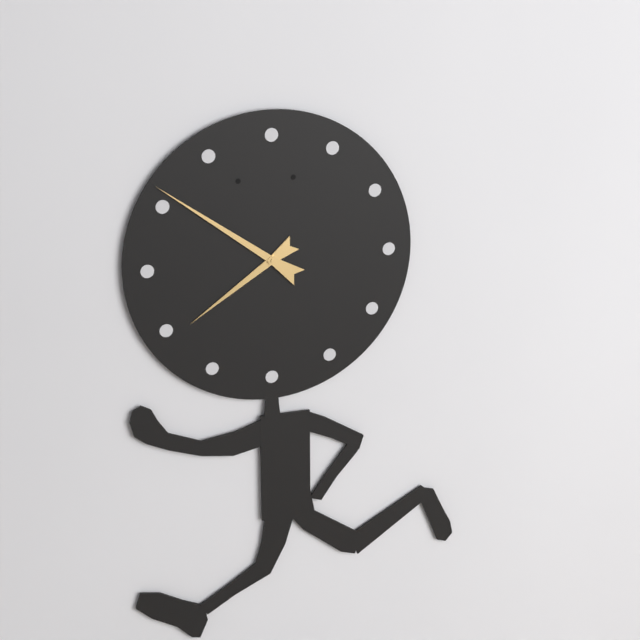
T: 7:51
